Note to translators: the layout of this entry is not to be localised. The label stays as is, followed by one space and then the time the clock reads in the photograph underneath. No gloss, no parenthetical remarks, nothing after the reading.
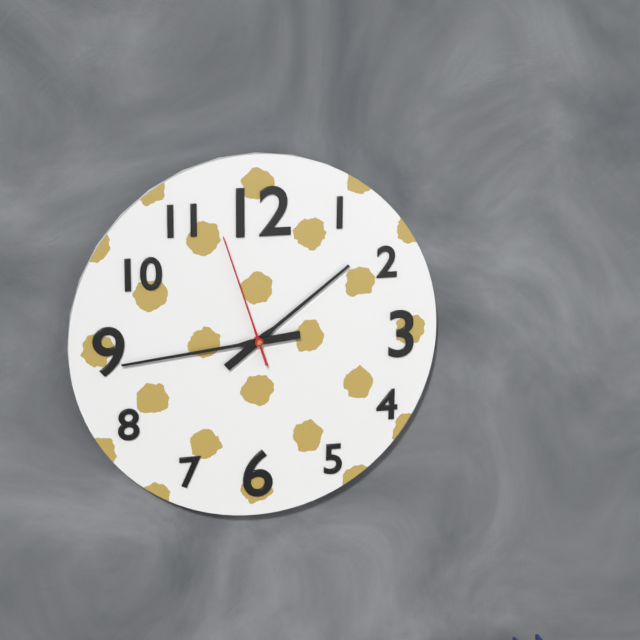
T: 1:44:57
